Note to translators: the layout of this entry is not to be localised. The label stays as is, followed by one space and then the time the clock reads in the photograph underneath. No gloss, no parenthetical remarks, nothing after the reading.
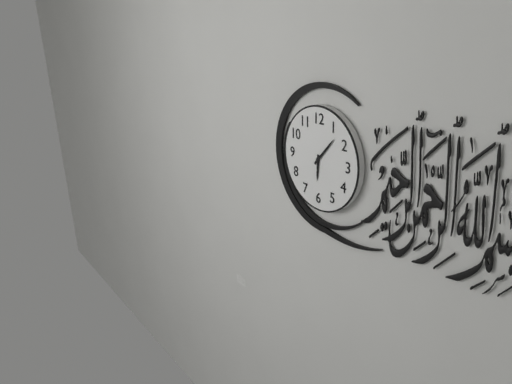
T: 6:07
